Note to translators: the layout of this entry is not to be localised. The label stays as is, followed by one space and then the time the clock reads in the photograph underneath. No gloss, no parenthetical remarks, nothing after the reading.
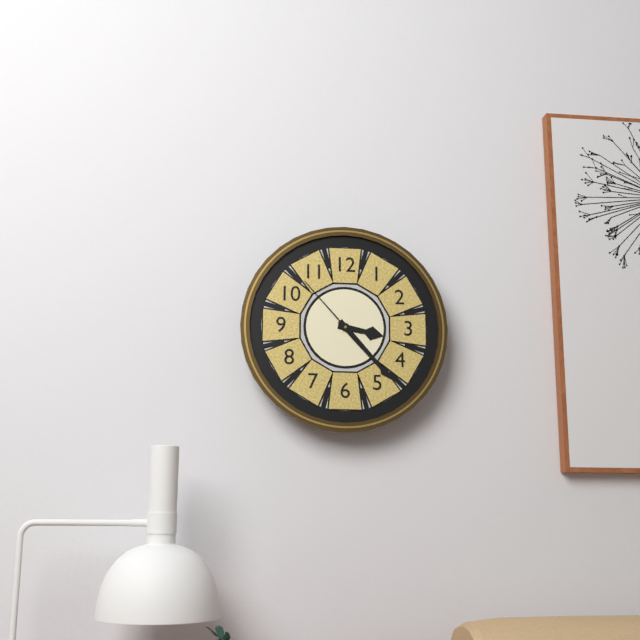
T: 3:23:53
